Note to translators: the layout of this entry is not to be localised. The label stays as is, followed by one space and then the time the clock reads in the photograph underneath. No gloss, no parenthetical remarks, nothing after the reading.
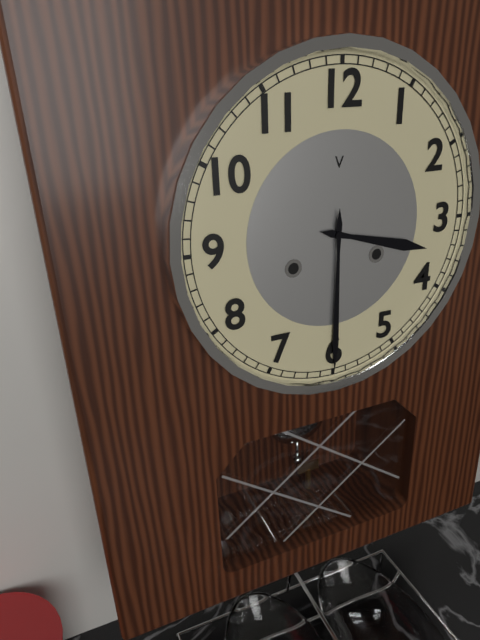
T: 3:30
